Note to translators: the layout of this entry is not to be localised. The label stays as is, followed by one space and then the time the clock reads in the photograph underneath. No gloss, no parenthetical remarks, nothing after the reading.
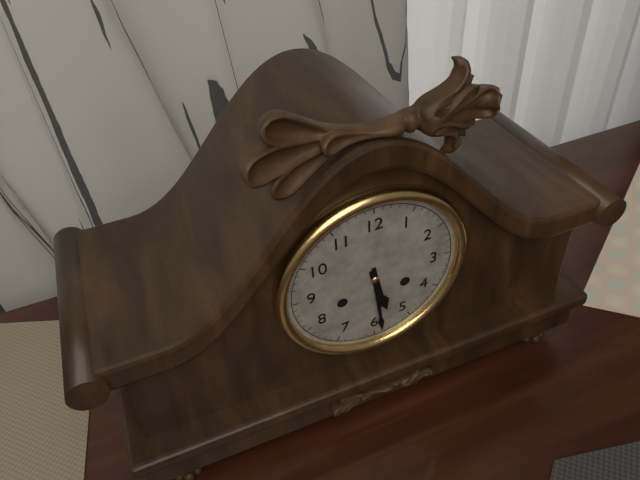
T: 5:29
